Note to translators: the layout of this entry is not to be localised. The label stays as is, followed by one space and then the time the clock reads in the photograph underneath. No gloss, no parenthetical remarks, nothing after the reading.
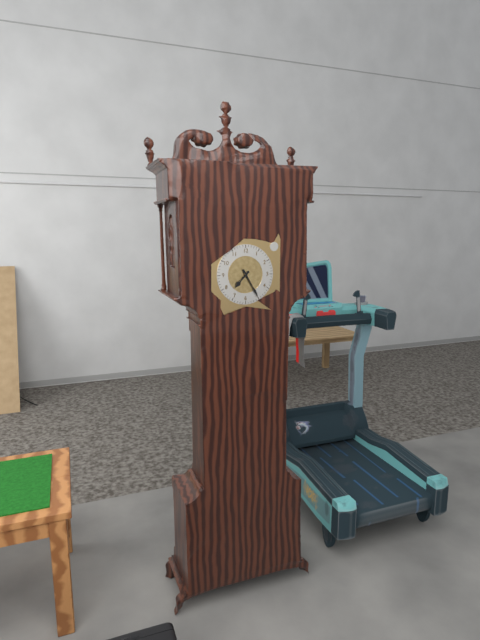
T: 7:25
